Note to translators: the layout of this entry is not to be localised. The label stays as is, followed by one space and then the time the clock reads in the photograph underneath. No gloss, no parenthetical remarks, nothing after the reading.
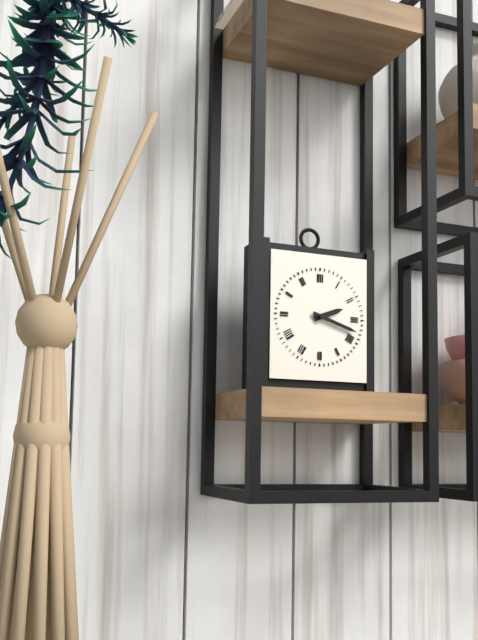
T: 2:18
